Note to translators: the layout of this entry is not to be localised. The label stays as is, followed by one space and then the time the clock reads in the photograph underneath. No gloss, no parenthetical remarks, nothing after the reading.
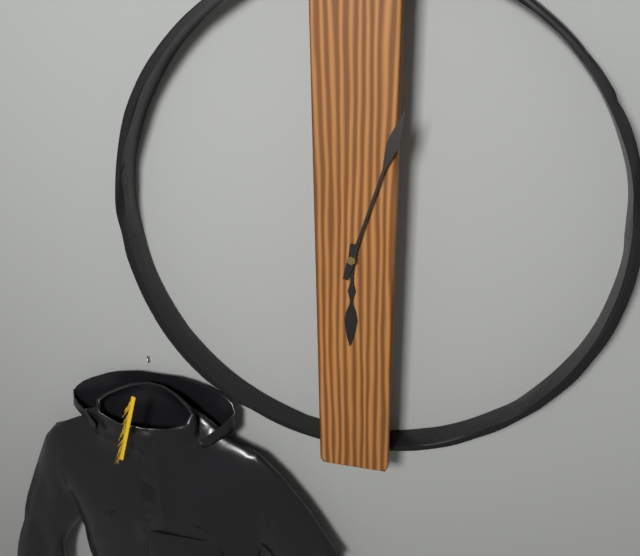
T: 6:03
